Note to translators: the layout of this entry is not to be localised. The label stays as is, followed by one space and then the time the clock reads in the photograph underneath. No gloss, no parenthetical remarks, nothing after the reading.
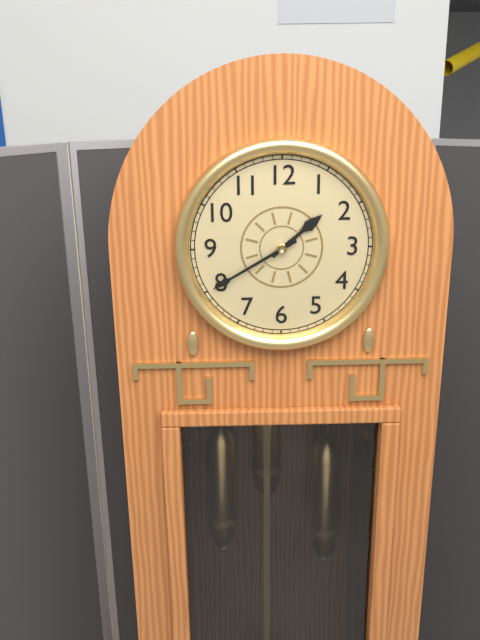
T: 1:40
